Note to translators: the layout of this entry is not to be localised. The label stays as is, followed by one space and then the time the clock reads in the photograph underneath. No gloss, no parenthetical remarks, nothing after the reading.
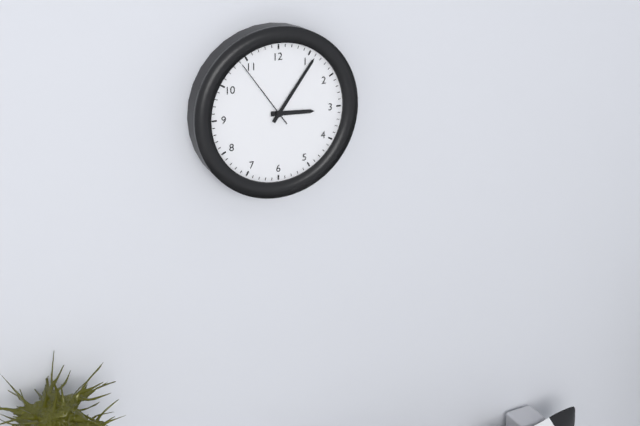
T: 3:06:54
